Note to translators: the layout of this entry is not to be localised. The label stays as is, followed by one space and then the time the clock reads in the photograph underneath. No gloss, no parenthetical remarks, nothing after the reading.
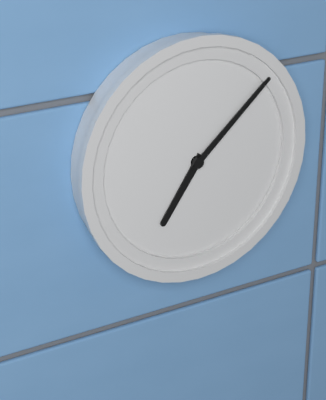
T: 7:08
